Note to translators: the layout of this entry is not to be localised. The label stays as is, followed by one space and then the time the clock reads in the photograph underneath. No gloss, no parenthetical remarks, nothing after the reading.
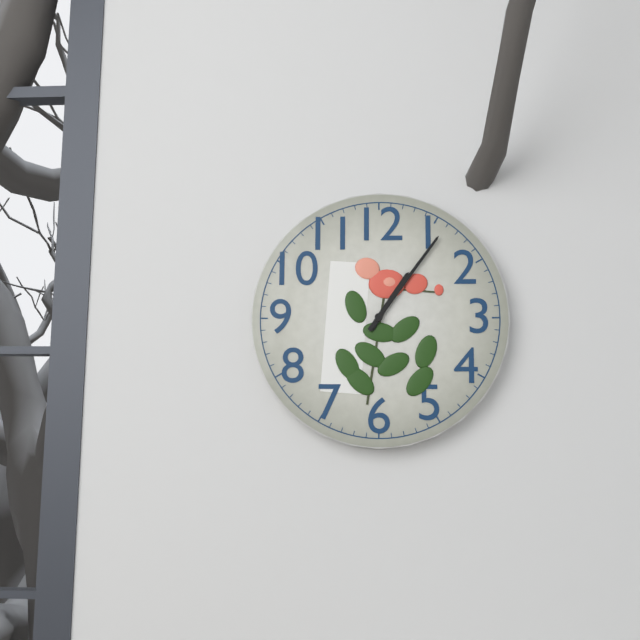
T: 1:06
